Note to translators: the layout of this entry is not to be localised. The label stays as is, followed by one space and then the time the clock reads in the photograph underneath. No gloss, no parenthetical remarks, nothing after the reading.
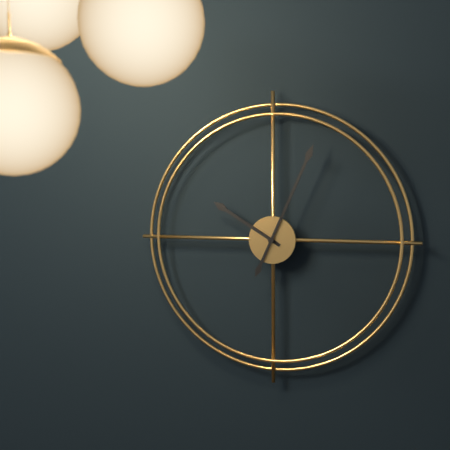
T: 10:04
